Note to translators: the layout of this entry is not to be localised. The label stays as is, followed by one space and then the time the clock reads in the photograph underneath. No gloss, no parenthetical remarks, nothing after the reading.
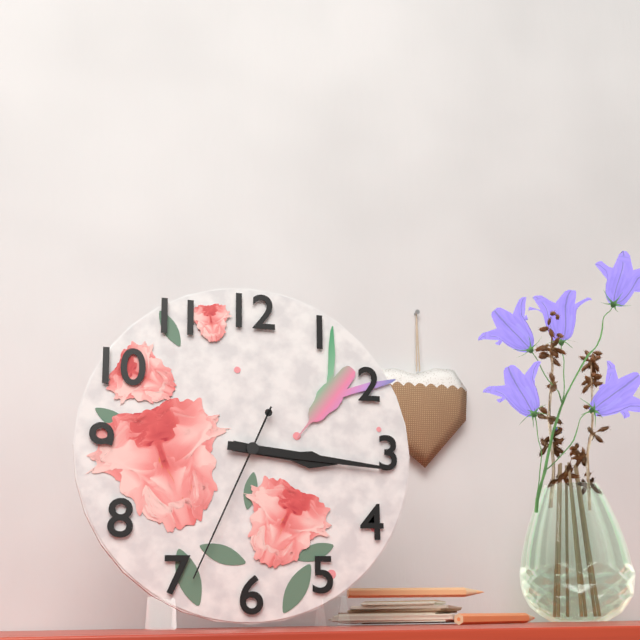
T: 3:16:34
